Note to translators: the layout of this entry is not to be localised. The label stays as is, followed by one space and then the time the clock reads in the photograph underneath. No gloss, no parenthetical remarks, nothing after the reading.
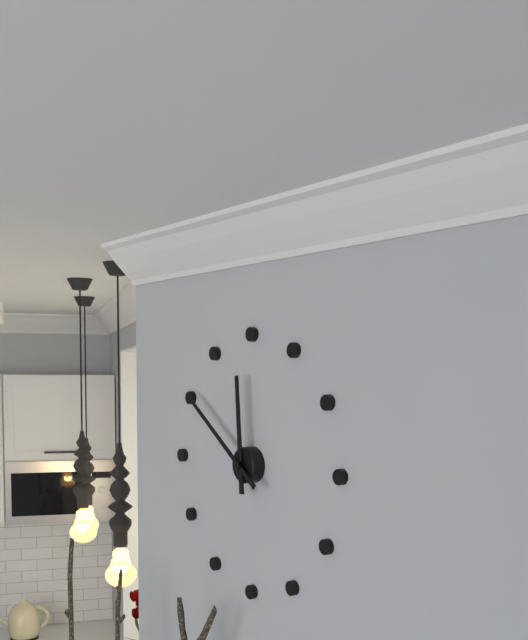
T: 11:51
